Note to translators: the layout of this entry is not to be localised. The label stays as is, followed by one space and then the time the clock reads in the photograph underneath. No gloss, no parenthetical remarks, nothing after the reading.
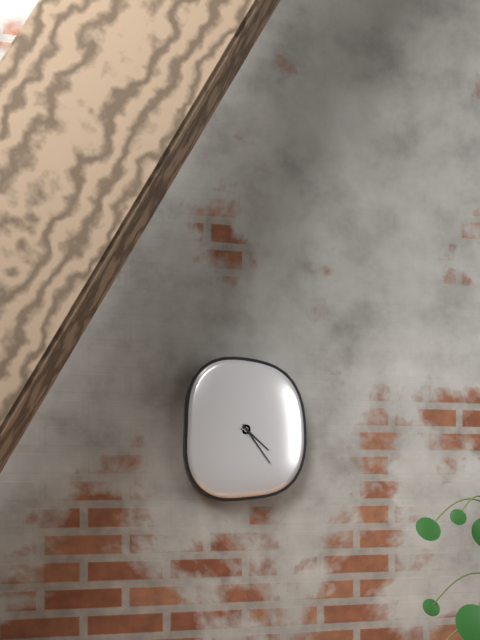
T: 4:24
